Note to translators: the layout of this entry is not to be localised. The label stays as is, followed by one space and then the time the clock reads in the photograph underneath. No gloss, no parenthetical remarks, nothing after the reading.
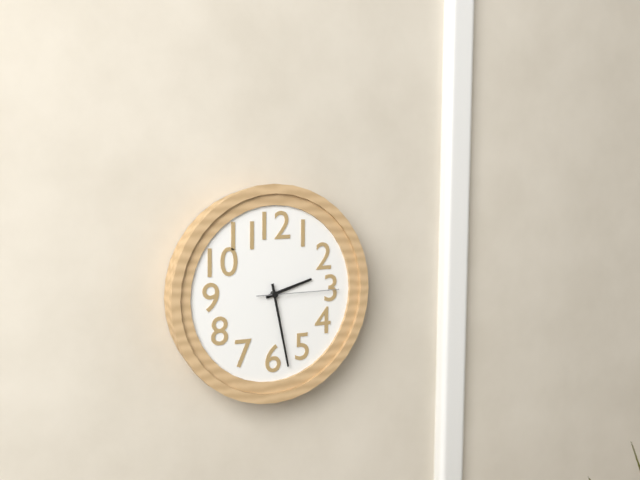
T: 2:28:15
